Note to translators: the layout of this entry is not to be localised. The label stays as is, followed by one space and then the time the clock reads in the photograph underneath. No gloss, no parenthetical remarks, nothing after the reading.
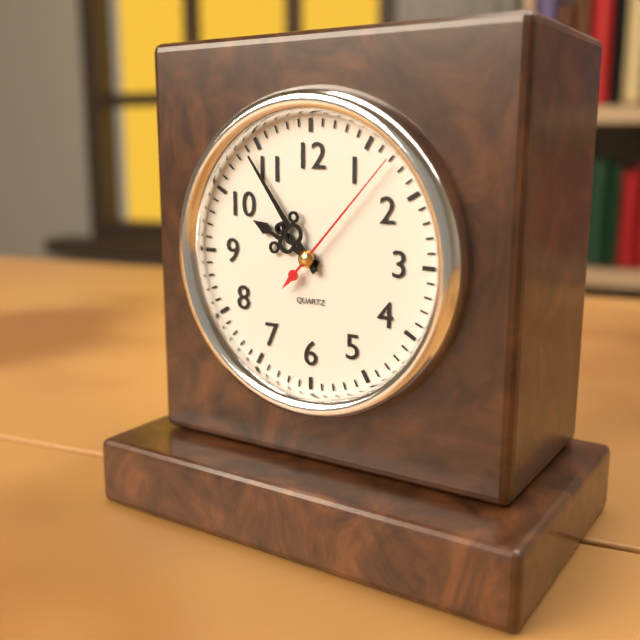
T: 9:54:07
